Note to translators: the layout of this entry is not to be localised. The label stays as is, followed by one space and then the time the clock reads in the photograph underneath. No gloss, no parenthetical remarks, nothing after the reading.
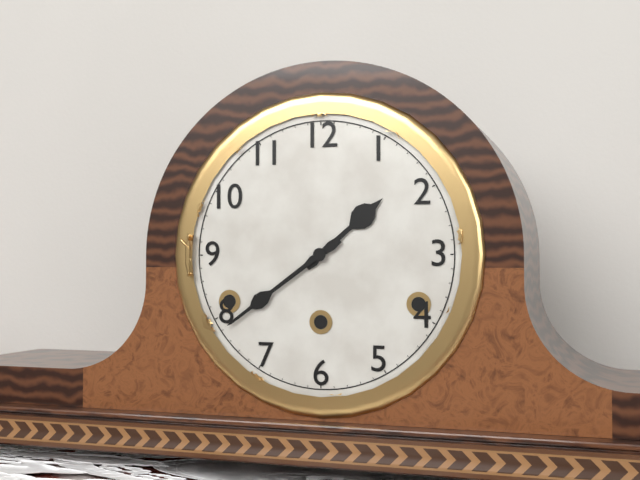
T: 1:39
